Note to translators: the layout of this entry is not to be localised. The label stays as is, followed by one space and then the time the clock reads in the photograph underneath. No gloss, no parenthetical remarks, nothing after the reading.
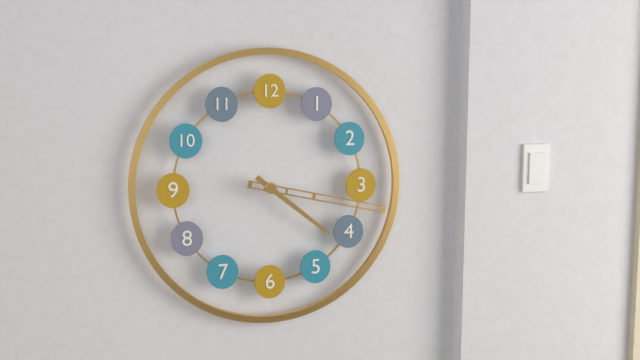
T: 4:17
